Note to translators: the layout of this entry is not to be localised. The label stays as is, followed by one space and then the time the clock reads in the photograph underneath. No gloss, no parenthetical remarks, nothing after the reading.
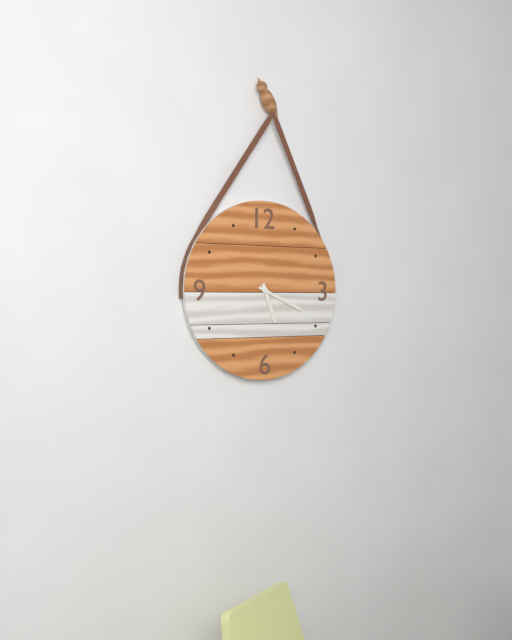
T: 5:19
